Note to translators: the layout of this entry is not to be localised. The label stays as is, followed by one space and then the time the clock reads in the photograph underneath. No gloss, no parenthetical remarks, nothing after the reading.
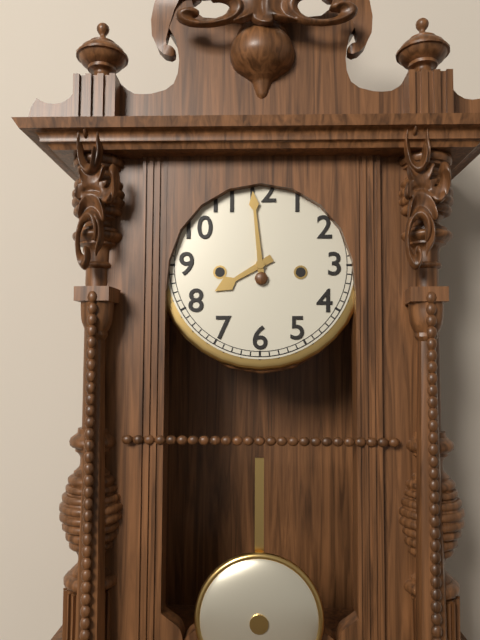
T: 7:59
